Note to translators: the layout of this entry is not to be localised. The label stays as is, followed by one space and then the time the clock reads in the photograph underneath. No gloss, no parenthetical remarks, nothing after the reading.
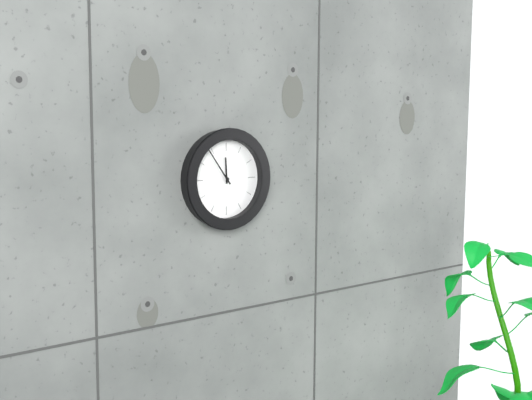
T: 11:54
